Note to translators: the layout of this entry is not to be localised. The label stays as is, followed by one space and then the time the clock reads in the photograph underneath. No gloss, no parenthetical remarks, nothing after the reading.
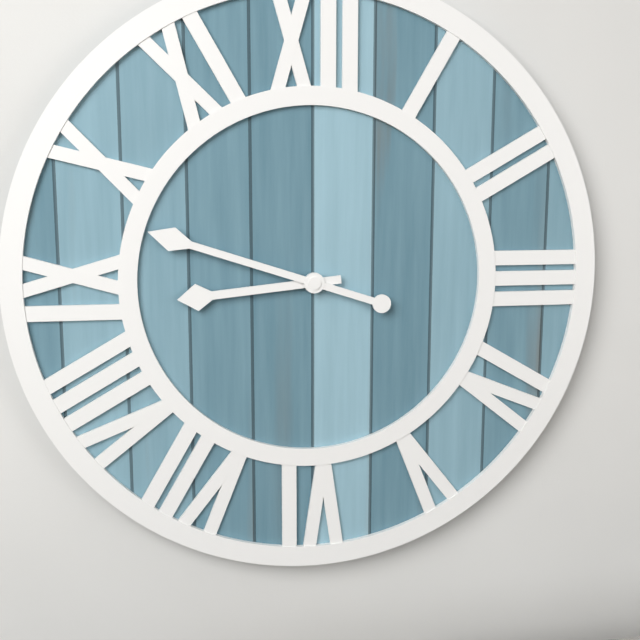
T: 8:48
